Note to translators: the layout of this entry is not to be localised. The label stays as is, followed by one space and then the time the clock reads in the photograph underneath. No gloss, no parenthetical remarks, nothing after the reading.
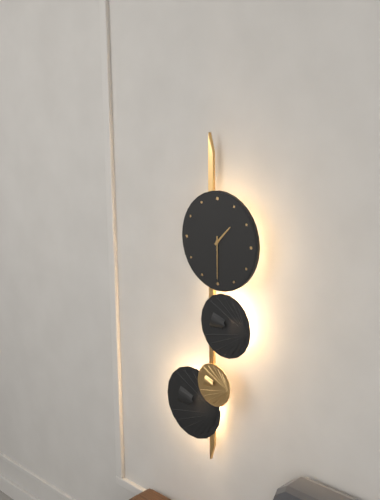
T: 1:30
